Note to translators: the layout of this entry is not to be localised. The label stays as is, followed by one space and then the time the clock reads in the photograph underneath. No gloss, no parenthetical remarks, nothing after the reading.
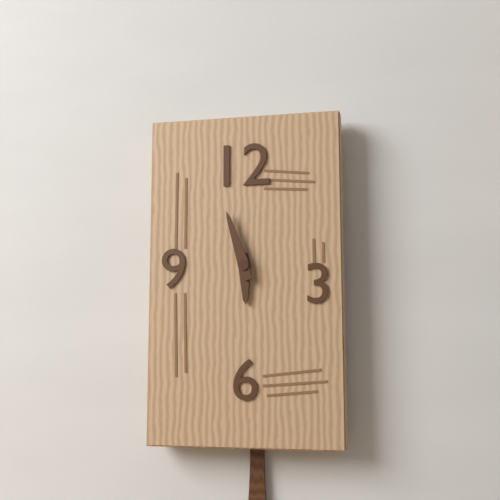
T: 5:57
